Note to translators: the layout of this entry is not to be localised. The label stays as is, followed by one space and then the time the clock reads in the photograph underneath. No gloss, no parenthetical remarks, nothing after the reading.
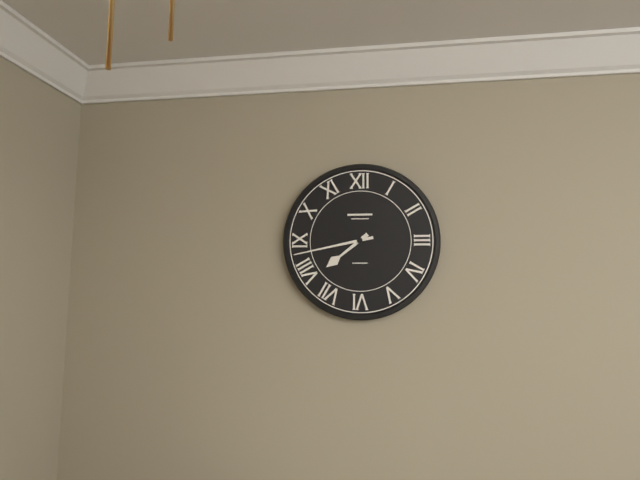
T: 7:43
